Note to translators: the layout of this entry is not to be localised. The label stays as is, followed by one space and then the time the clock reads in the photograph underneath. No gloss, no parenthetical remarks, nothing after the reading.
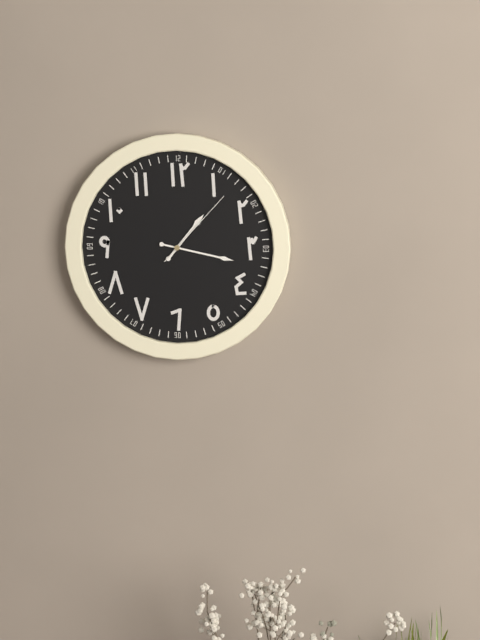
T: 1:17:07
